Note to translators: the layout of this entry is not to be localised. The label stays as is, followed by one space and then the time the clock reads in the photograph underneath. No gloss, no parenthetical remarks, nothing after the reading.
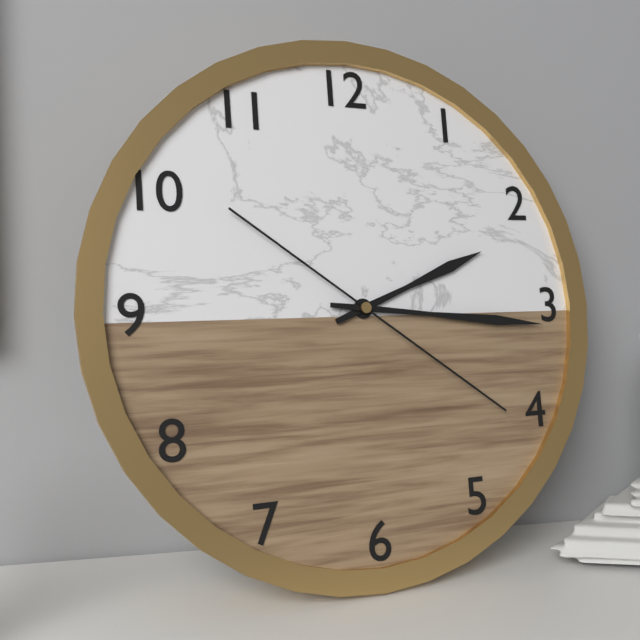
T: 2:16:21
